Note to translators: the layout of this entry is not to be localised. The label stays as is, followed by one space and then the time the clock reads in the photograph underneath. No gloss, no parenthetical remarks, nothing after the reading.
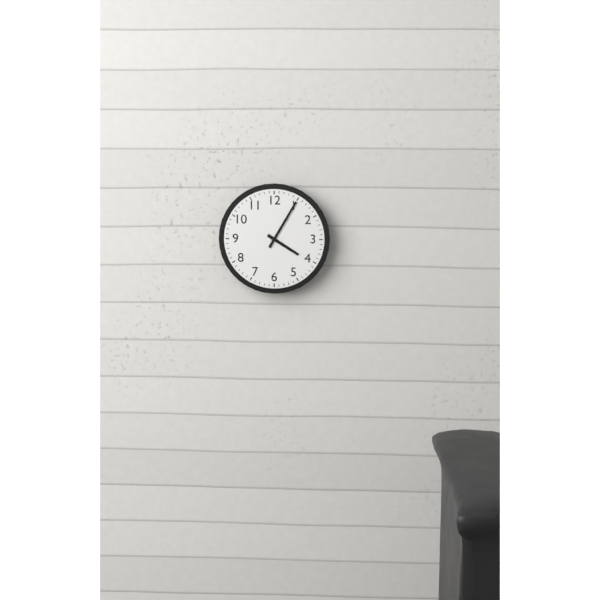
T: 4:05
